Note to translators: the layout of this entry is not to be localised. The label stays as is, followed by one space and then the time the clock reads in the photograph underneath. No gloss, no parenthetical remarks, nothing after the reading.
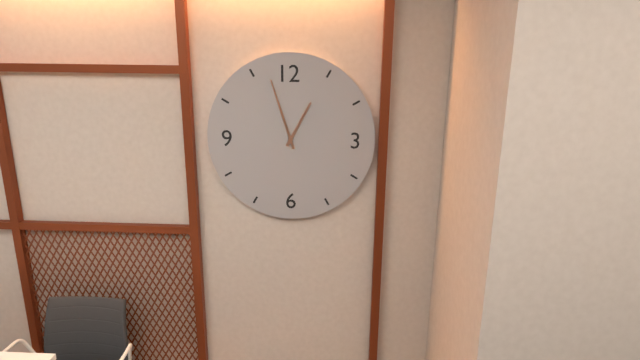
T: 12:57
